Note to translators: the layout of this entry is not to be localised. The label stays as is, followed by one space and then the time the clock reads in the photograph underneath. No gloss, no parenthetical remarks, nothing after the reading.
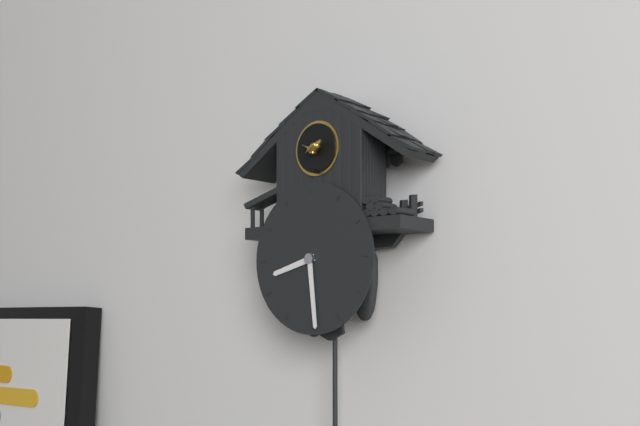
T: 8:29
